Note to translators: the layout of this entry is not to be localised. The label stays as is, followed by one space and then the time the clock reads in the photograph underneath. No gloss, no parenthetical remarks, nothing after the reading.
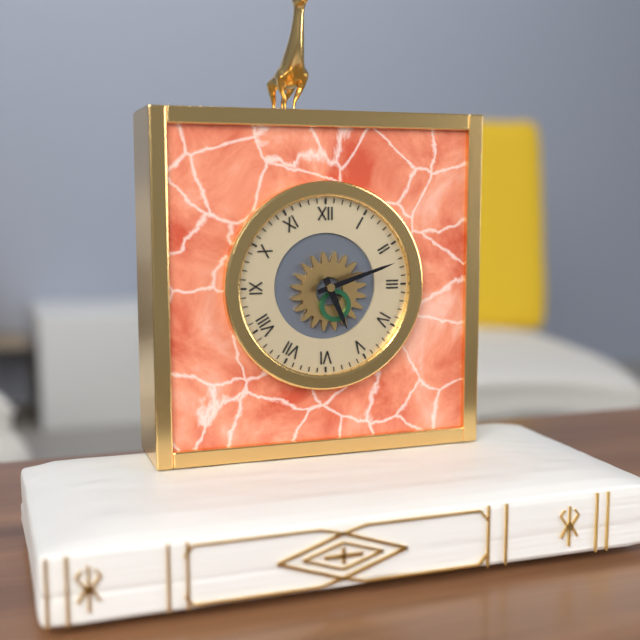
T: 5:12
